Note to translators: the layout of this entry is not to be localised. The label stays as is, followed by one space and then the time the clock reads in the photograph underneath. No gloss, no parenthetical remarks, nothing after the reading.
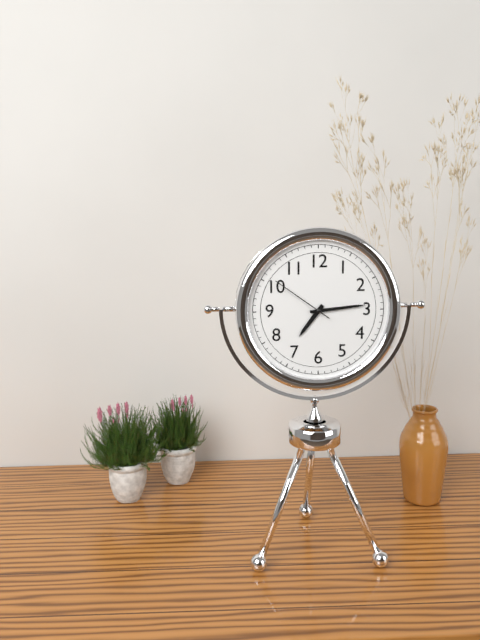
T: 7:14:51
